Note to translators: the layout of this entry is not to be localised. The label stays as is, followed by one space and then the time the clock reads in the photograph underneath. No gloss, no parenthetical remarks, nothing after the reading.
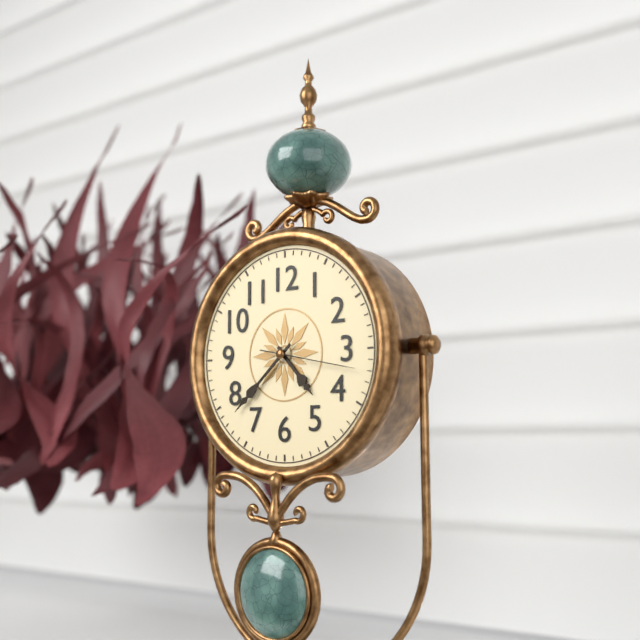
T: 4:38:17
